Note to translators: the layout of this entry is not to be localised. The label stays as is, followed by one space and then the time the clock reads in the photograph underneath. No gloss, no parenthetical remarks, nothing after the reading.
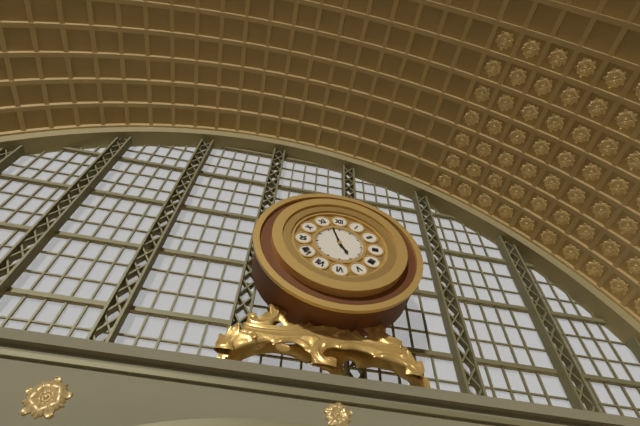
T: 4:57
